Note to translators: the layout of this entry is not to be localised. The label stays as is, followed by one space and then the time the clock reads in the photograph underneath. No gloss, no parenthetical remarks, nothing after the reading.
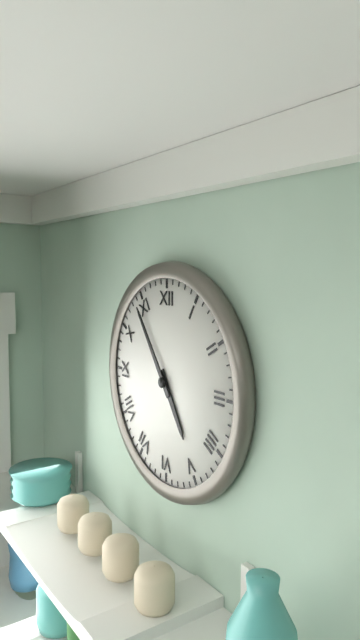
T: 4:54
